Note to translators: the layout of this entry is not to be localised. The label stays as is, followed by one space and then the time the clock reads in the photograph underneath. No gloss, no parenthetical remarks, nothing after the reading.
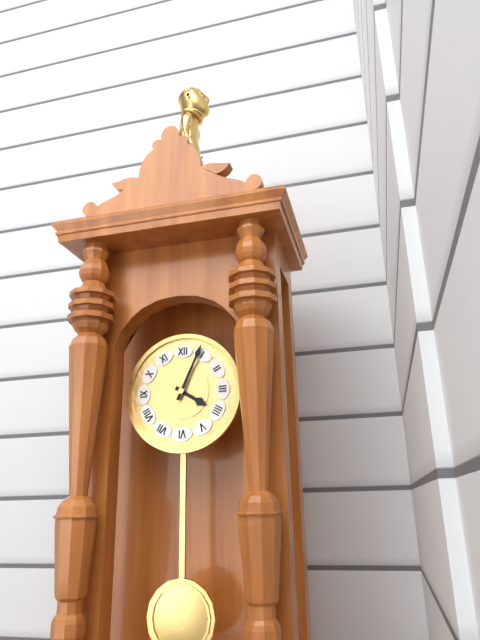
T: 4:04
